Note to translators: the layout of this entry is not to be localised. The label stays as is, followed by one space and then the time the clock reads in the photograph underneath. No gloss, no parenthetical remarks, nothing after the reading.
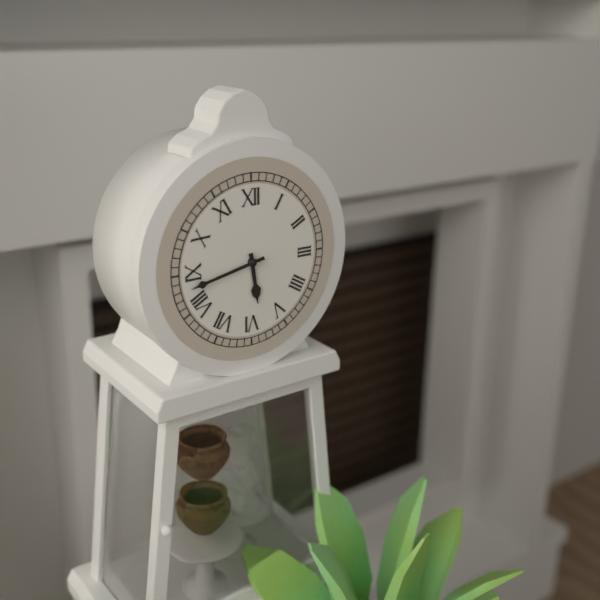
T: 5:43
